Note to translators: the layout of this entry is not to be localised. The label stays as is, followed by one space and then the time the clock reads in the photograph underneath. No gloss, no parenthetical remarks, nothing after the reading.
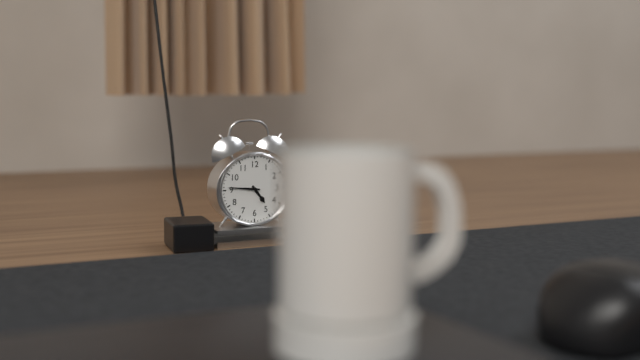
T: 4:46
